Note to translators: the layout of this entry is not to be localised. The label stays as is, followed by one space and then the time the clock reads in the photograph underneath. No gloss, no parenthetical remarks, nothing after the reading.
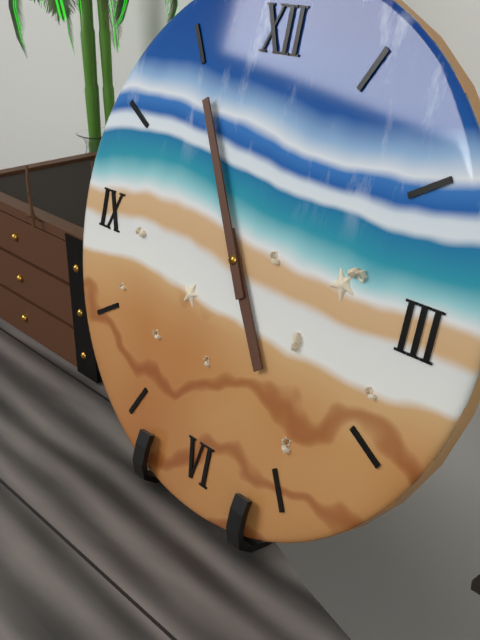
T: 4:55
